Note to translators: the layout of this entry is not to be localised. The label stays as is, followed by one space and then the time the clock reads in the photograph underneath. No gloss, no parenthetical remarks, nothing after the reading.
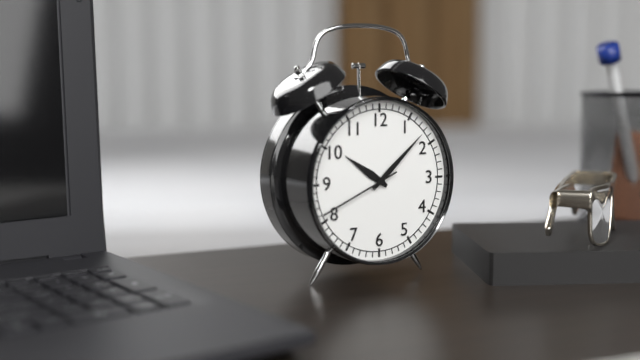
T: 10:08:41
